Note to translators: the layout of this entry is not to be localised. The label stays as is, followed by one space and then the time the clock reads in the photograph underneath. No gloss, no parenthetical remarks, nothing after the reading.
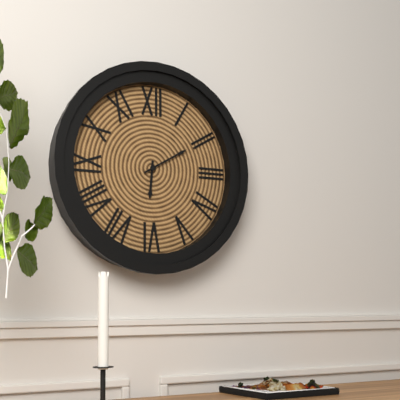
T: 6:10
